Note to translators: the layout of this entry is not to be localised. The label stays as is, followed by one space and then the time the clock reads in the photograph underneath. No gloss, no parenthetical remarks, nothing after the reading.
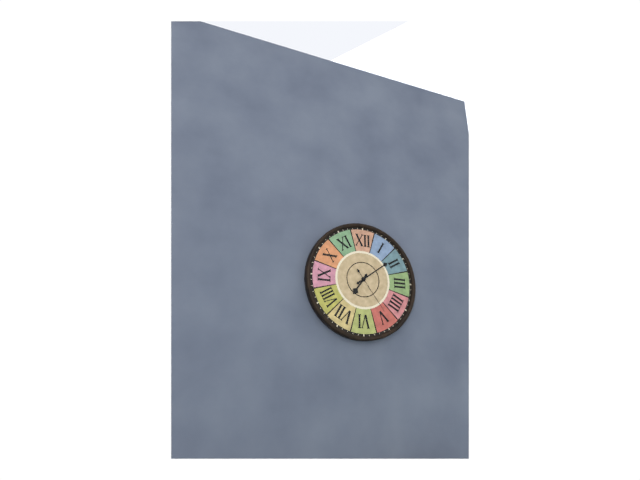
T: 7:09
